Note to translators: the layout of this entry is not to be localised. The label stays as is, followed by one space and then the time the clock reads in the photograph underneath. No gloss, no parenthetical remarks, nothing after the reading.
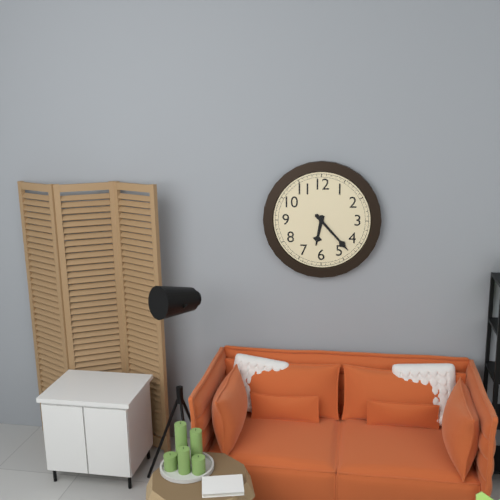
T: 6:23
